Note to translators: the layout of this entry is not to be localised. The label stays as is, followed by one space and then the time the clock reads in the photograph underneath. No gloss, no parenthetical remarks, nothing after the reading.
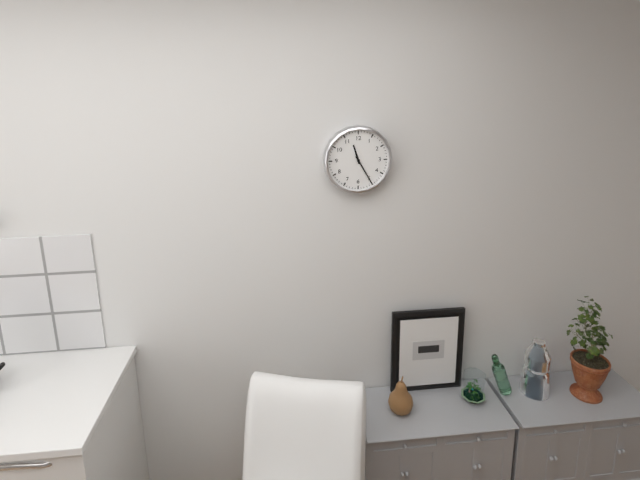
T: 11:25
